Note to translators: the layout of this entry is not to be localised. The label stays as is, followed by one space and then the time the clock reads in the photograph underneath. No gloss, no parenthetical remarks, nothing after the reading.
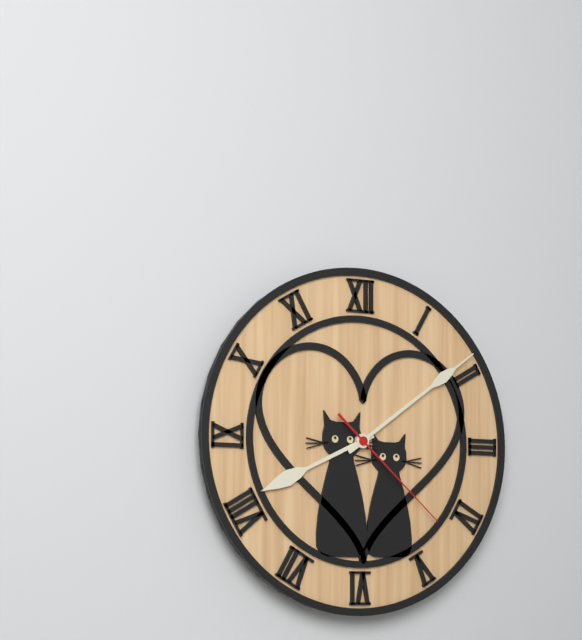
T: 8:09:22
